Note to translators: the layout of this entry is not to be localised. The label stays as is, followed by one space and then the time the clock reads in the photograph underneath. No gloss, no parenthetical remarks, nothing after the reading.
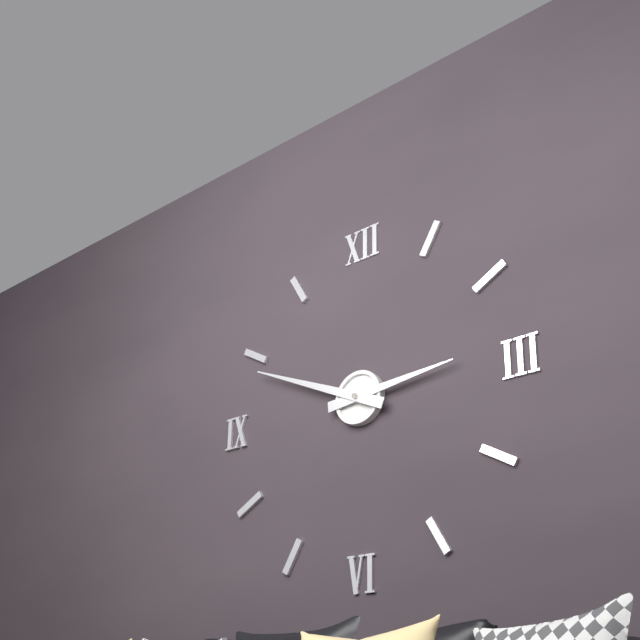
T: 2:49
